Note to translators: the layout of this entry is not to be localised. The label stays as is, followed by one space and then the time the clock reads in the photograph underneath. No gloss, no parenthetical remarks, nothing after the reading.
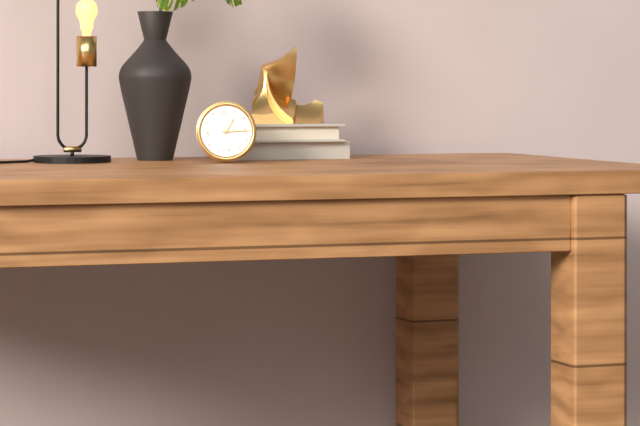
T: 1:16
